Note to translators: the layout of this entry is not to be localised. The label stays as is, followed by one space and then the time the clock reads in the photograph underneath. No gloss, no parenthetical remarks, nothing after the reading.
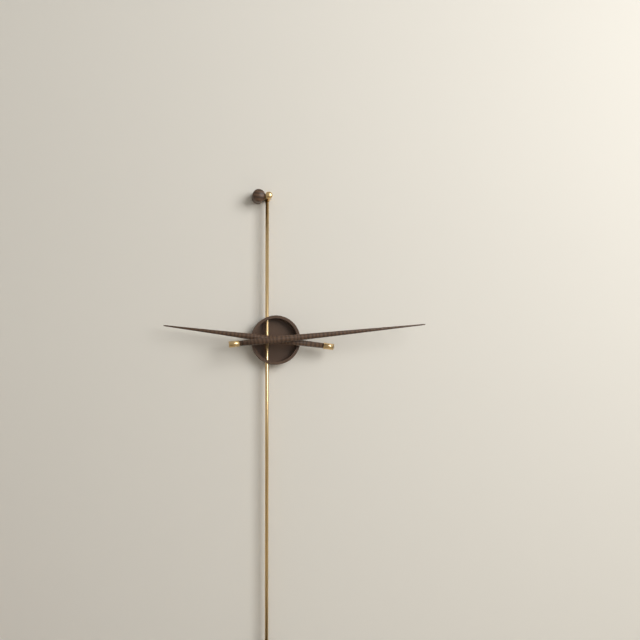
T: 9:14
